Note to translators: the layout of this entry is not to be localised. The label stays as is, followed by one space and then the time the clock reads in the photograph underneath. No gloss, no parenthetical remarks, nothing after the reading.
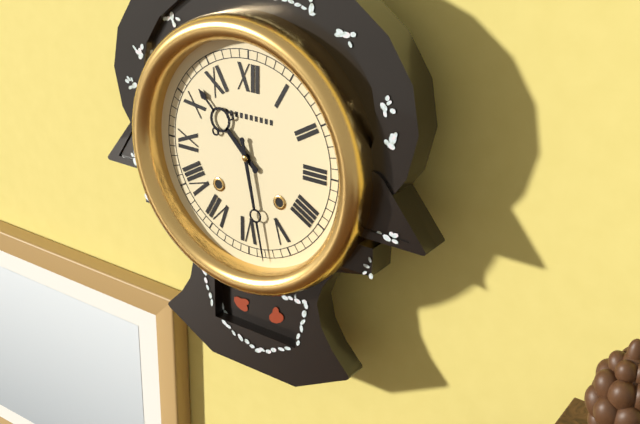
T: 10:28
